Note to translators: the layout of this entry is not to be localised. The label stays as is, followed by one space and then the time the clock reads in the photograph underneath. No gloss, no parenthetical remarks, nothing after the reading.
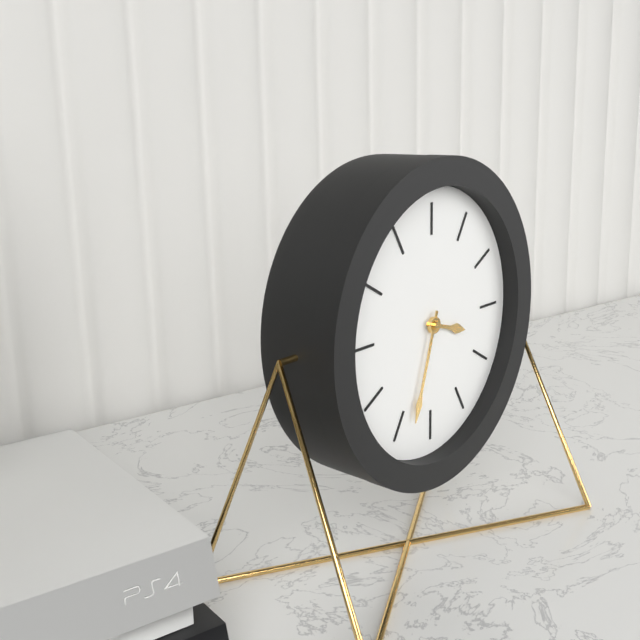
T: 3:33
